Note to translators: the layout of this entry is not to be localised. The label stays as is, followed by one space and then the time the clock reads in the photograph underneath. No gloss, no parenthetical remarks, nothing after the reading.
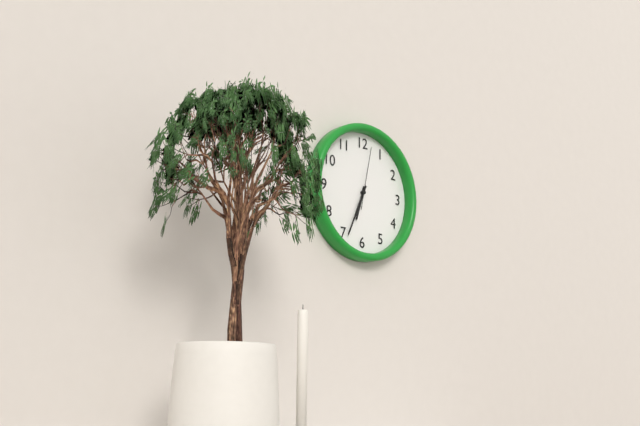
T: 6:34:02
